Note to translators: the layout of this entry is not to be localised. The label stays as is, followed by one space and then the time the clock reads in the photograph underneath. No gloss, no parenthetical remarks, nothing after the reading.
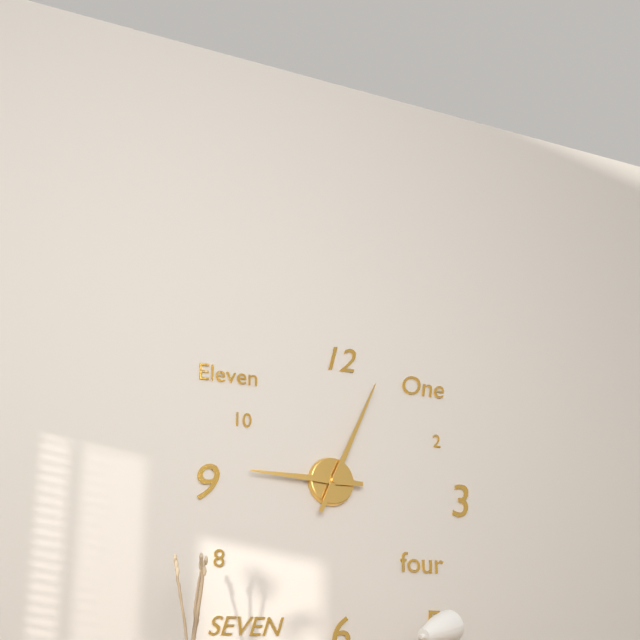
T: 9:04
